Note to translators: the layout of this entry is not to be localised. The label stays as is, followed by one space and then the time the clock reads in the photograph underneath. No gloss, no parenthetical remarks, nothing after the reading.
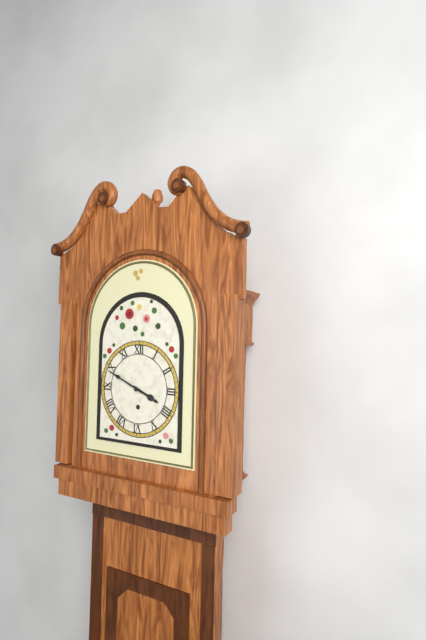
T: 3:49
